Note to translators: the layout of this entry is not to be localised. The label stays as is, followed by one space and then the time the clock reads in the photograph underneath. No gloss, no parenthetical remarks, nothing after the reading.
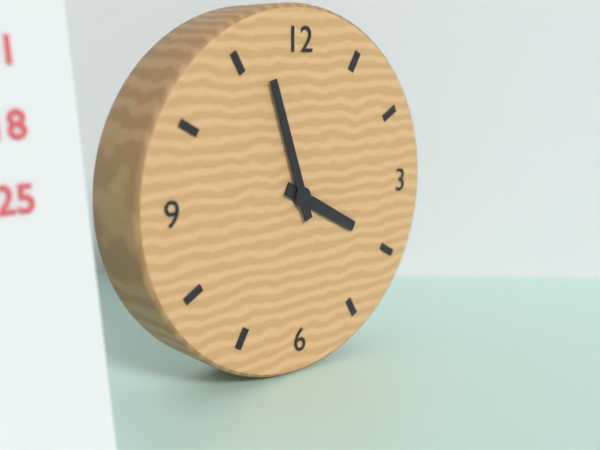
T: 3:57
